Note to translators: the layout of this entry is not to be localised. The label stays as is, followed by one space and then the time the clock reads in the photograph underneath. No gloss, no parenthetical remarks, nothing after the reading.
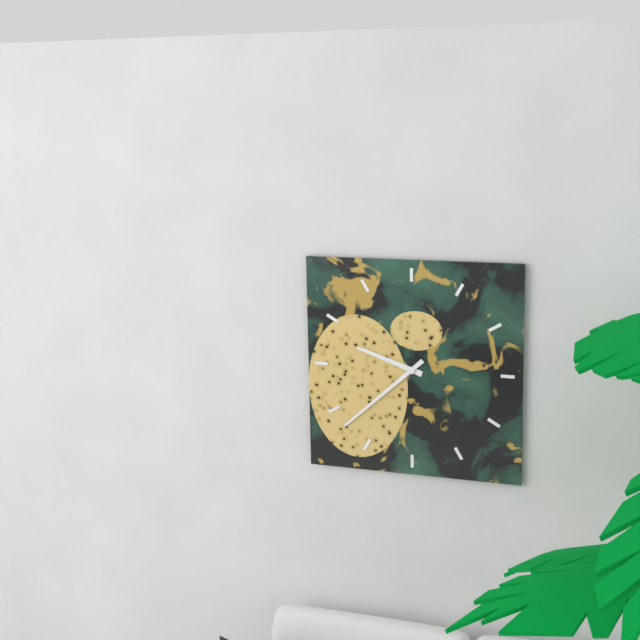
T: 9:38
